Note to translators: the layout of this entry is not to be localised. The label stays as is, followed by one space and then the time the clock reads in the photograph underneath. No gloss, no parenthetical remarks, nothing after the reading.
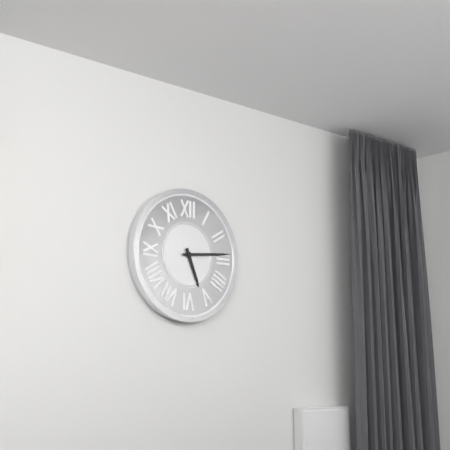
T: 5:14
